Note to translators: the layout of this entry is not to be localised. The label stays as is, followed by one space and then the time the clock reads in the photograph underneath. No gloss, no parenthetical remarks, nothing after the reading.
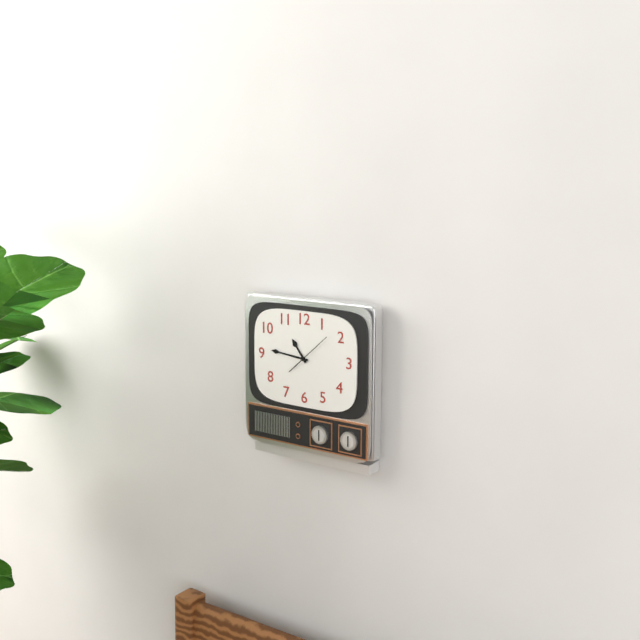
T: 10:46
